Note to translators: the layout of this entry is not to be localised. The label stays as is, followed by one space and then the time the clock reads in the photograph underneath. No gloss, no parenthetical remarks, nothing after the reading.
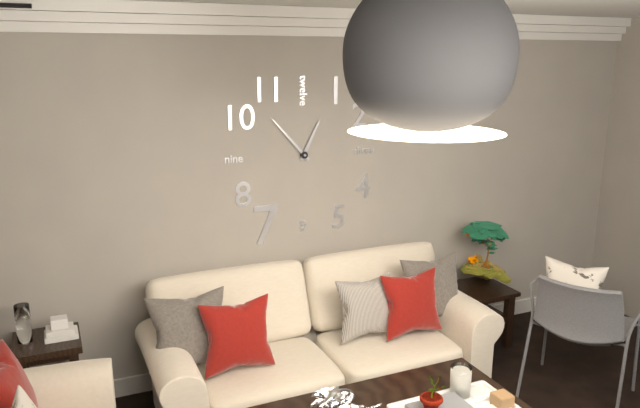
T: 12:53
